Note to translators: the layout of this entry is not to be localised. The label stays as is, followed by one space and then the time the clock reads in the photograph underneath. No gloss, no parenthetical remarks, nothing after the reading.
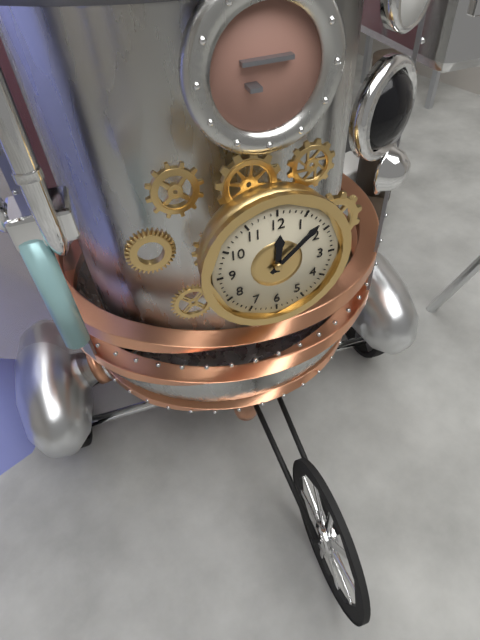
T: 12:08
